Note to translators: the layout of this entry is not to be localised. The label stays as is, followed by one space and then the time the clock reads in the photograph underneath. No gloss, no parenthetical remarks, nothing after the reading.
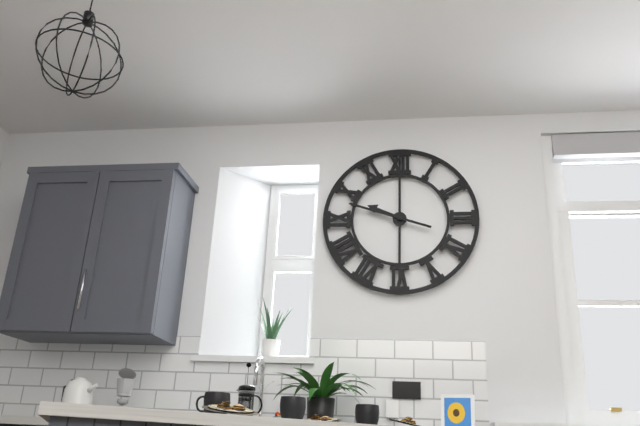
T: 9:48
